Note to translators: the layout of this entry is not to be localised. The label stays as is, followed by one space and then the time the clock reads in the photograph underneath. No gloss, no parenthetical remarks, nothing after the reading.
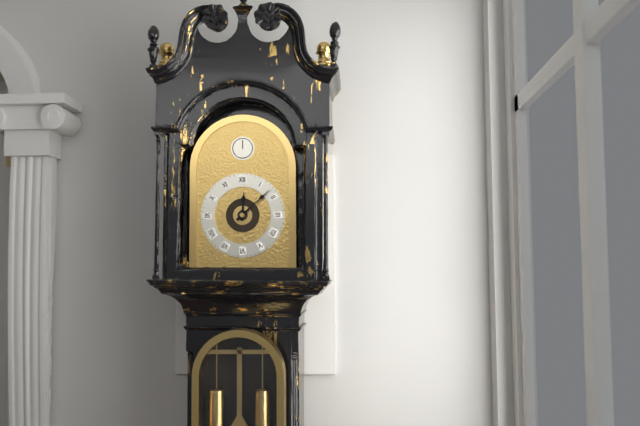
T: 12:08
